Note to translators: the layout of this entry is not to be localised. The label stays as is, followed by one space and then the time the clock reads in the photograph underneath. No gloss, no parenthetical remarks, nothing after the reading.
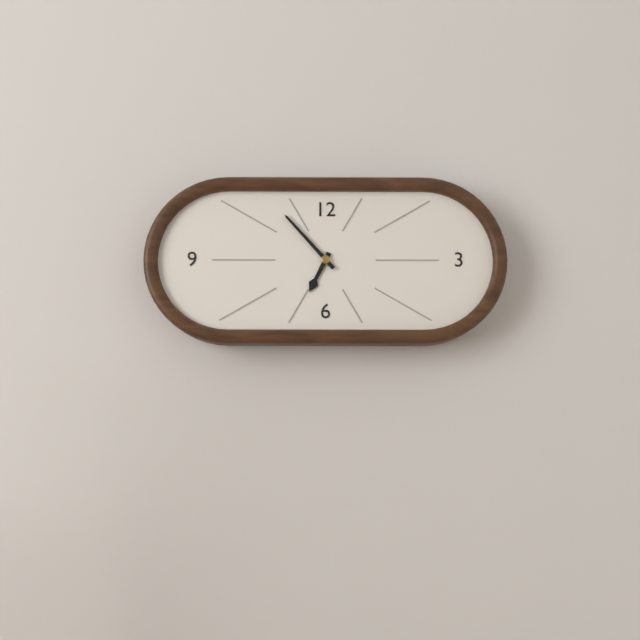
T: 6:53
